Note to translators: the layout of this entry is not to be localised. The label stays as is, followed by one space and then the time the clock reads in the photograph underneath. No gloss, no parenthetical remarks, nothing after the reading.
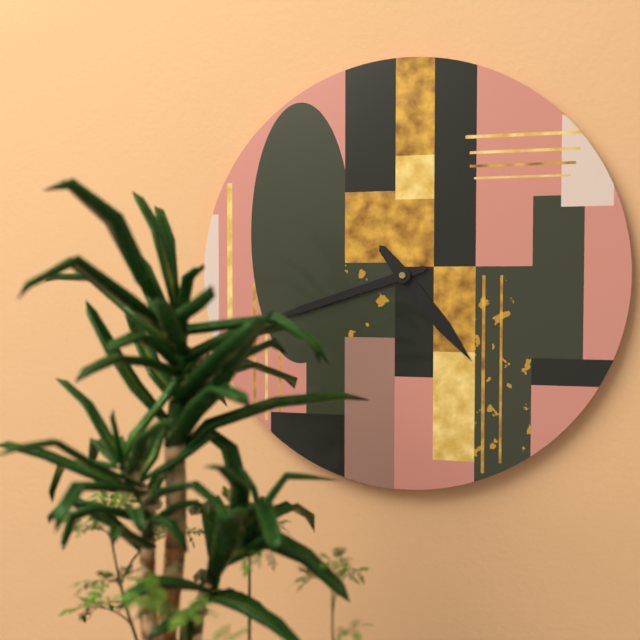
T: 4:42
